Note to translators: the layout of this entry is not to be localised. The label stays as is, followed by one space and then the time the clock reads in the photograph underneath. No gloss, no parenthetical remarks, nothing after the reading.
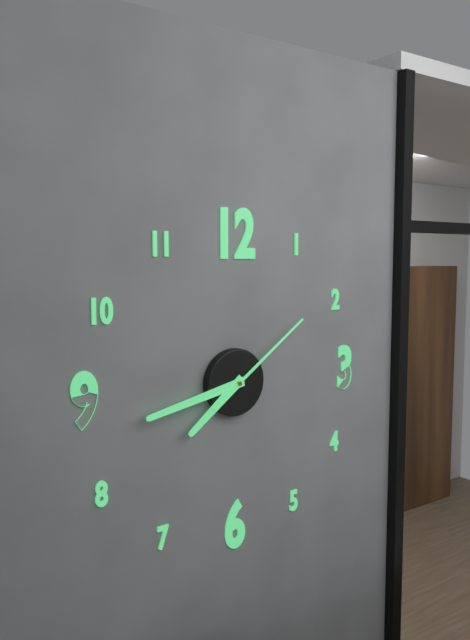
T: 7:43:09
